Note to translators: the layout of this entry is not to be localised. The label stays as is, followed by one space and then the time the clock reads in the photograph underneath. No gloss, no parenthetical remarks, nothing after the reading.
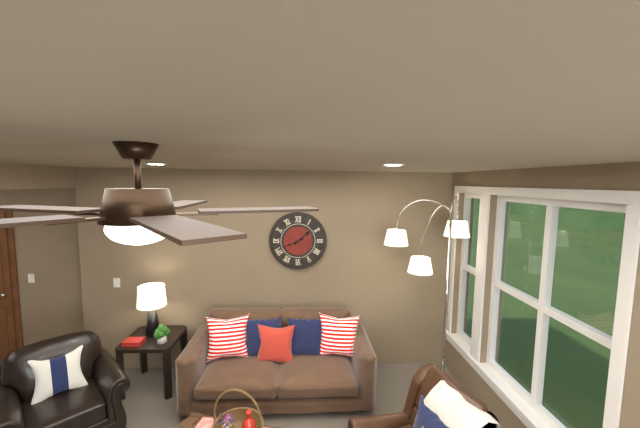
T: 1:41
